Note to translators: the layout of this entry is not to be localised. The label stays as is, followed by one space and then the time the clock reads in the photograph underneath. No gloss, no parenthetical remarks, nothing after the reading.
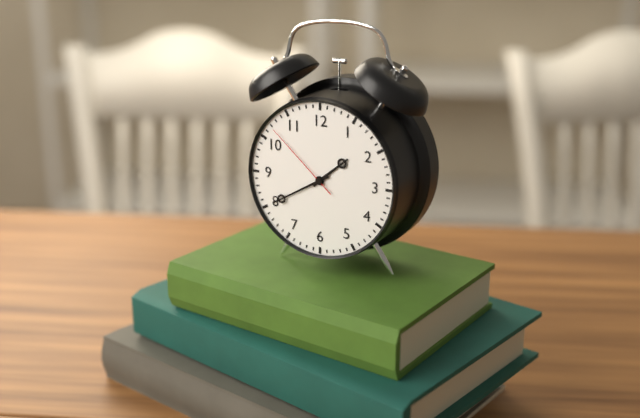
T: 1:40:52
